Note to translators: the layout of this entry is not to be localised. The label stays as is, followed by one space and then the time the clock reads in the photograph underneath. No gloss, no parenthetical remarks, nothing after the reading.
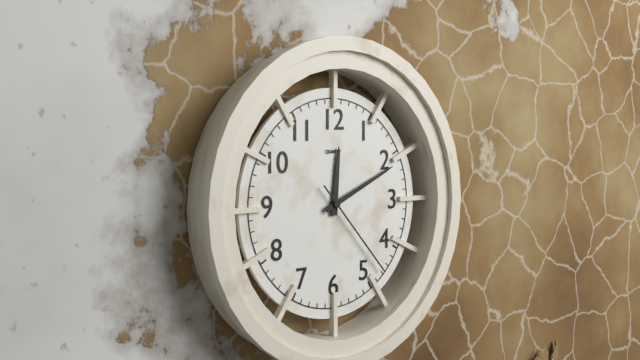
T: 12:11:23
